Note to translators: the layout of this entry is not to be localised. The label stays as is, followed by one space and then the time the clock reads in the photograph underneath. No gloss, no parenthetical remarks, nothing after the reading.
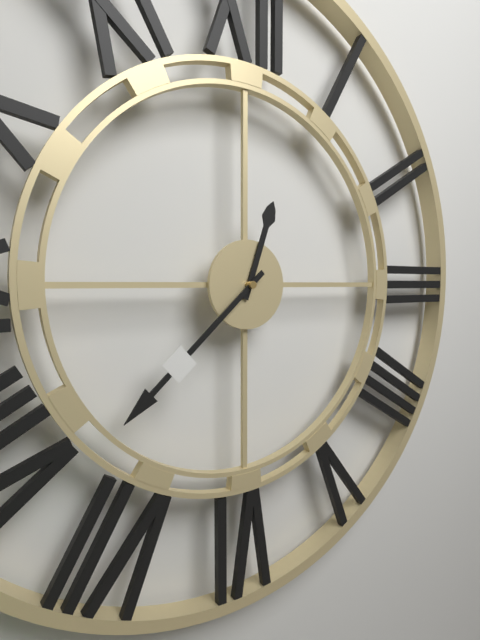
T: 12:38
